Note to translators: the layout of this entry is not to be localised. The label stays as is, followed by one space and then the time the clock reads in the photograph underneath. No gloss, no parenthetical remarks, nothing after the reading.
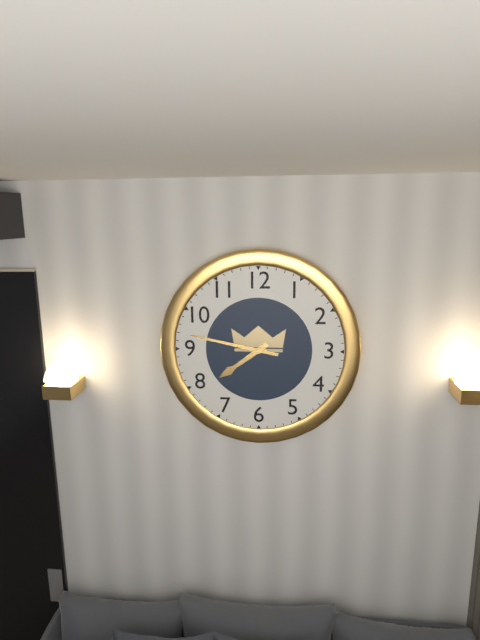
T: 7:47
